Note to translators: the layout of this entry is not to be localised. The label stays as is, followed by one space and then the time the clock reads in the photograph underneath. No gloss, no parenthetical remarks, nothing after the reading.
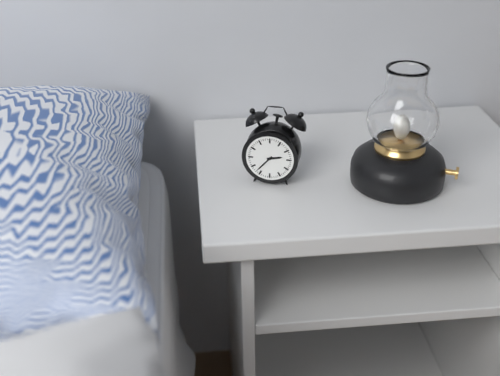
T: 2:37
